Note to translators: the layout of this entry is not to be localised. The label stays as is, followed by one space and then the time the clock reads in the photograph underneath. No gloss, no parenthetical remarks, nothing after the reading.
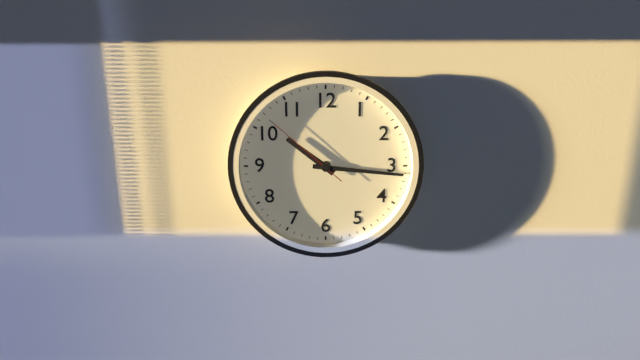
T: 10:16:52
